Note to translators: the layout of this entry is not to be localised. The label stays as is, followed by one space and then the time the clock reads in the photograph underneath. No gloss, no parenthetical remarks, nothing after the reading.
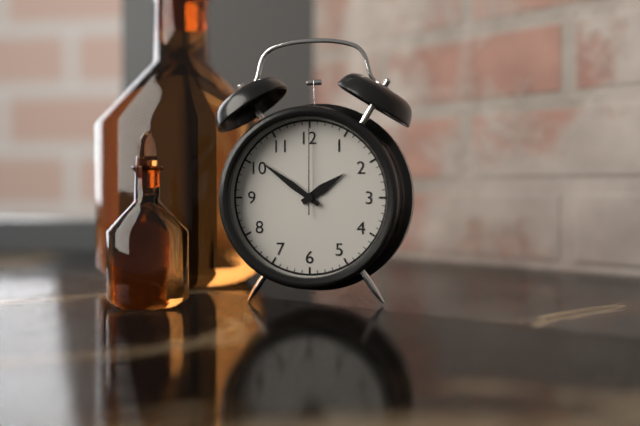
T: 1:51:00
